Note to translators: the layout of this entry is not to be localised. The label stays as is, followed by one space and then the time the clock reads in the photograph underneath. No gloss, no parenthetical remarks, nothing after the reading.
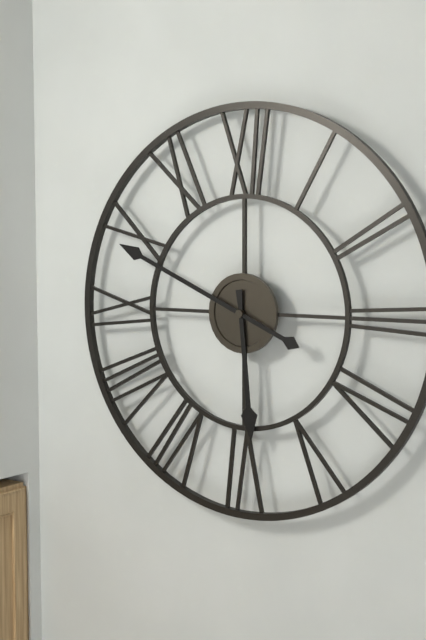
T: 5:49
